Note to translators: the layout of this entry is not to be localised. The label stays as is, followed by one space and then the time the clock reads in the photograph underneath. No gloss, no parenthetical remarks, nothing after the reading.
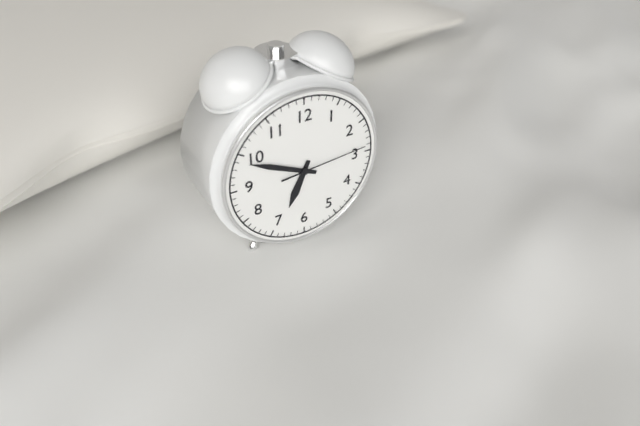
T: 6:49:14
